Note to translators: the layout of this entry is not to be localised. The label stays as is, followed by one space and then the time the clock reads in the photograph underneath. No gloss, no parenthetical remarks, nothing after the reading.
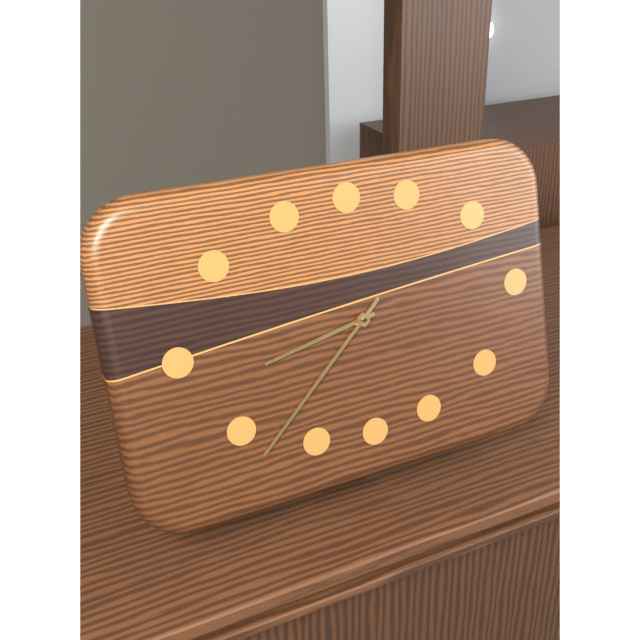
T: 8:38
